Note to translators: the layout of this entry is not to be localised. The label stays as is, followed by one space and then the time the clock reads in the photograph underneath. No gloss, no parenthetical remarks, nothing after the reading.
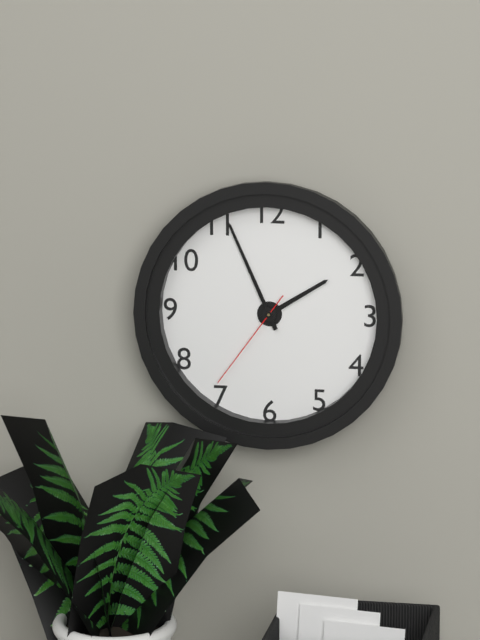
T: 1:56:36
